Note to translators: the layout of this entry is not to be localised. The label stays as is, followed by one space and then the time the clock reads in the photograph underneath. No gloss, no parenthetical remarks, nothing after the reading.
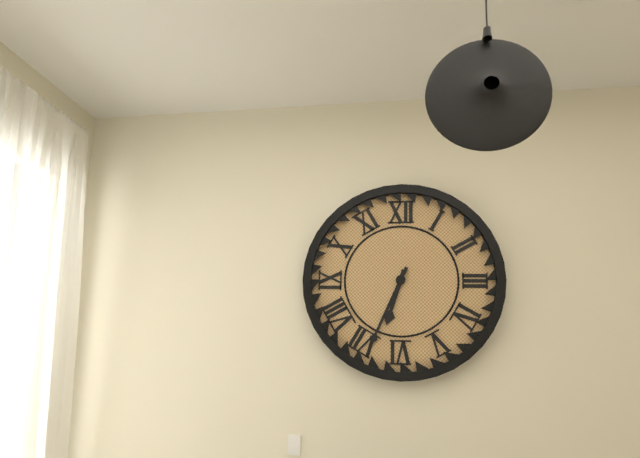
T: 6:34
